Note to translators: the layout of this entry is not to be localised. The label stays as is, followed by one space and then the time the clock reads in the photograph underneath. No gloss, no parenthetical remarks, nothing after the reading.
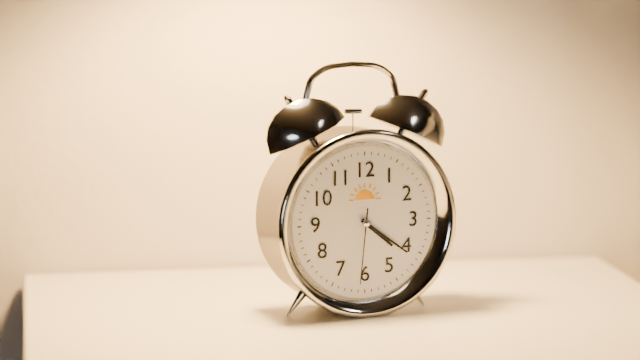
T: 4:21:31
